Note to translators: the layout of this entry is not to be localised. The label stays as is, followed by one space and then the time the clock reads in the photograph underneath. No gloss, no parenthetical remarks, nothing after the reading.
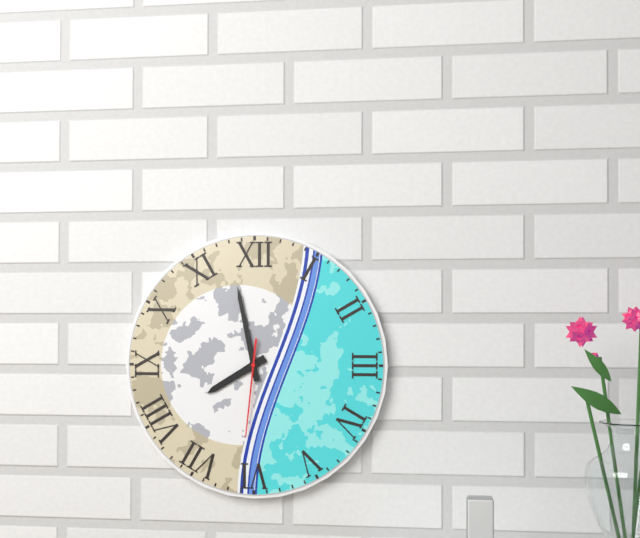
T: 7:58:31
